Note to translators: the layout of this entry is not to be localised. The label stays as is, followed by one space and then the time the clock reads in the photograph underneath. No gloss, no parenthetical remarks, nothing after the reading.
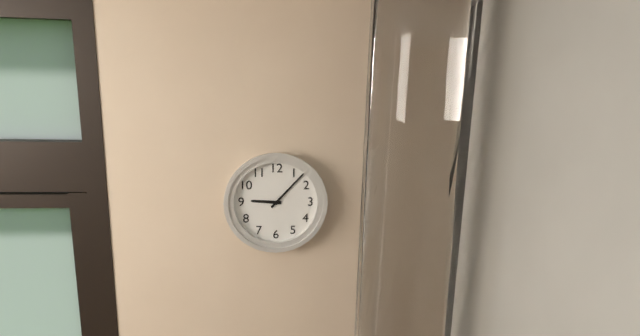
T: 9:07
